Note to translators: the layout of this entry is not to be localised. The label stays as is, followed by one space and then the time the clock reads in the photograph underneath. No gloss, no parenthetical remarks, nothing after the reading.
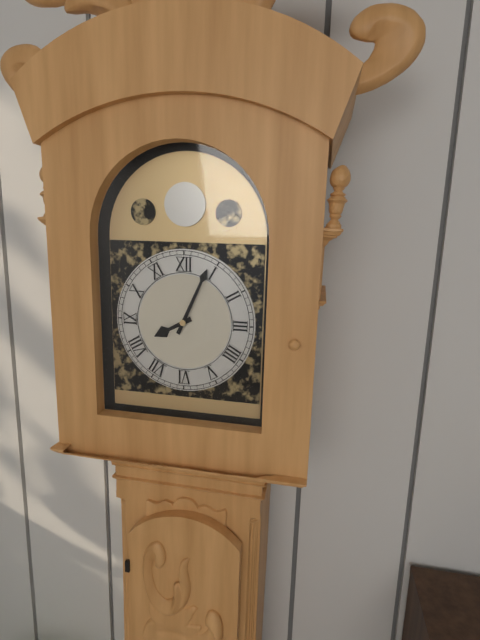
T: 8:04
